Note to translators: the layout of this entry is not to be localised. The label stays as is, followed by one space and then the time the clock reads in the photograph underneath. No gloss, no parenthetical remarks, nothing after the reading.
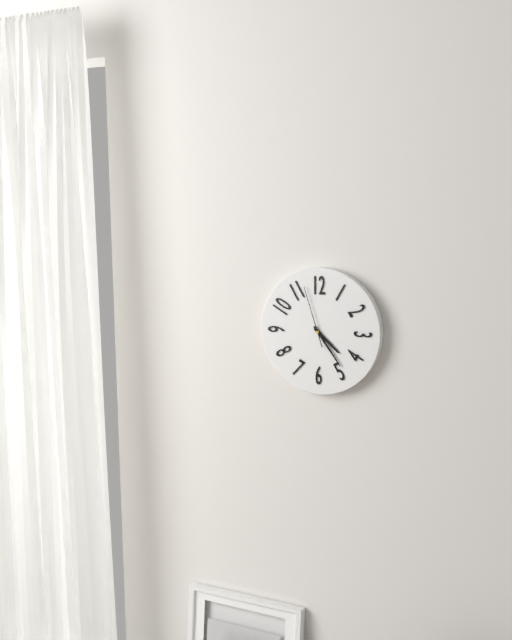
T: 4:24:57
